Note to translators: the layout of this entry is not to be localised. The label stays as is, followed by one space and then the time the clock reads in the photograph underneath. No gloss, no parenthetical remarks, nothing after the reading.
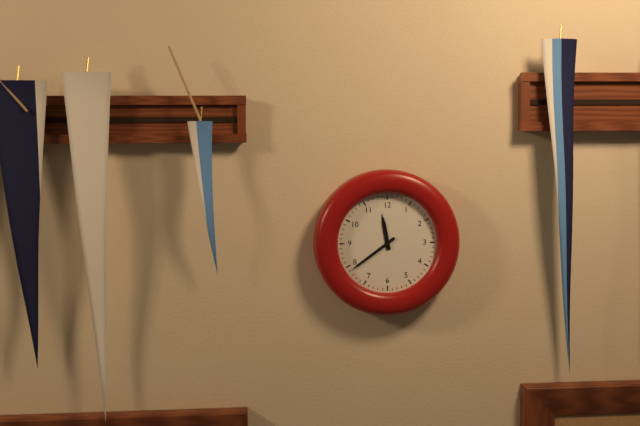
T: 11:39
